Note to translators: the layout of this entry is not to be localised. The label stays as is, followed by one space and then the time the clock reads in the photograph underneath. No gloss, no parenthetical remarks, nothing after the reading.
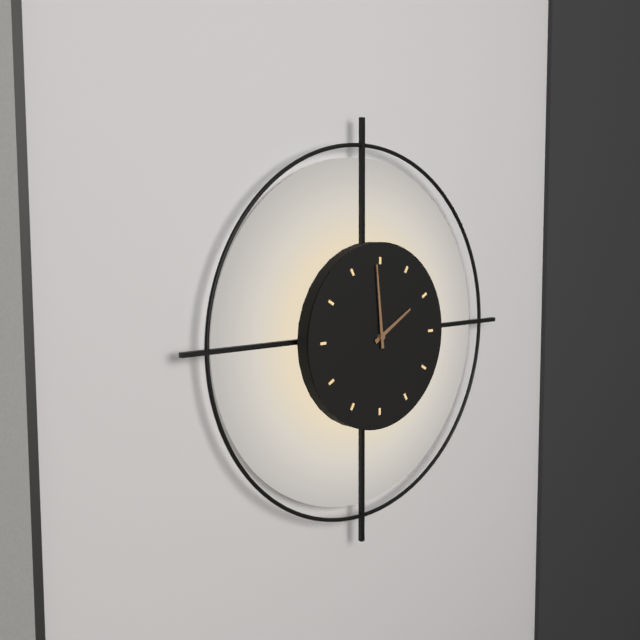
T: 1:59
